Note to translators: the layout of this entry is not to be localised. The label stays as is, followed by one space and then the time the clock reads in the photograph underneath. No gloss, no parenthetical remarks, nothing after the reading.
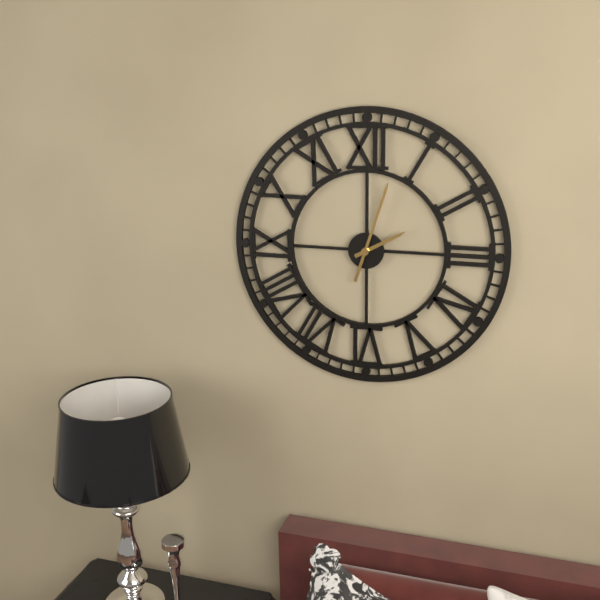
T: 2:03
